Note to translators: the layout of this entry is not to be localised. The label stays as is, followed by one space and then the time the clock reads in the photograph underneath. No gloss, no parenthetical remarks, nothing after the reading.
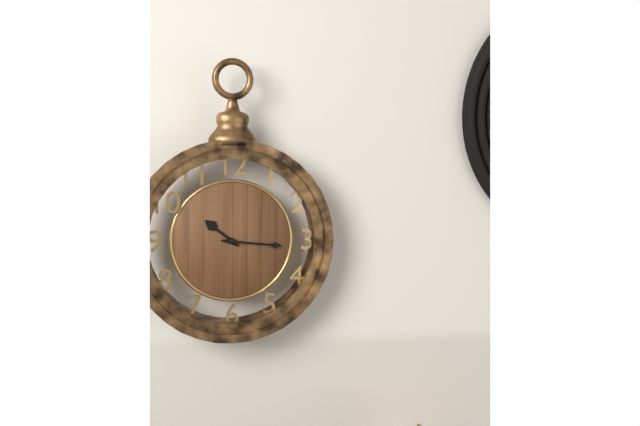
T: 10:16
